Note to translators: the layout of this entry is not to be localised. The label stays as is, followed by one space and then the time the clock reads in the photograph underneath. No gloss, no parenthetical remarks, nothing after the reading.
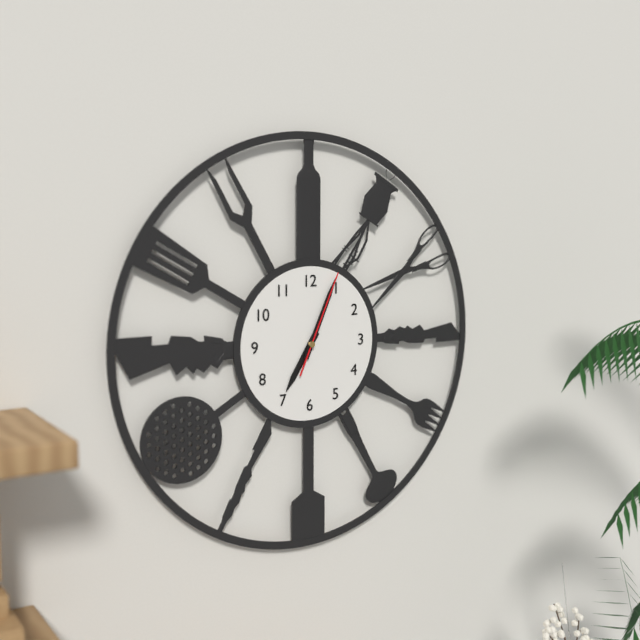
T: 7:04:04
